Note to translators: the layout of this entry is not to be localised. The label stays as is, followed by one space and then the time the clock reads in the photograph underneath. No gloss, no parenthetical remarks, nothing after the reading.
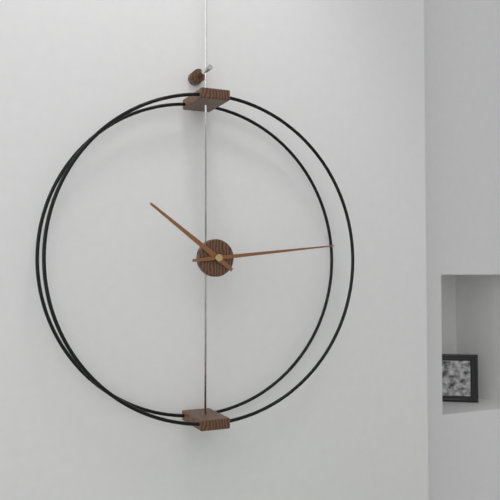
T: 10:14
